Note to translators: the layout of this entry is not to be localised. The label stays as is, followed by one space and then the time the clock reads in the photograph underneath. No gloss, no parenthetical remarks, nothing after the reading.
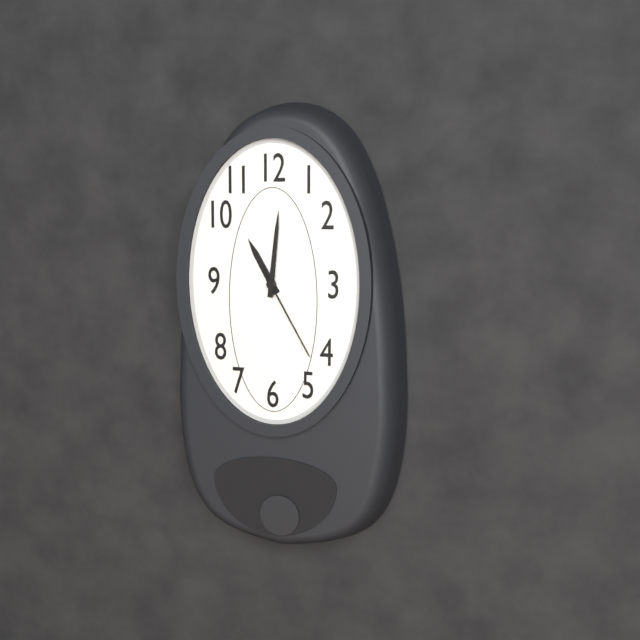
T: 11:01:25
